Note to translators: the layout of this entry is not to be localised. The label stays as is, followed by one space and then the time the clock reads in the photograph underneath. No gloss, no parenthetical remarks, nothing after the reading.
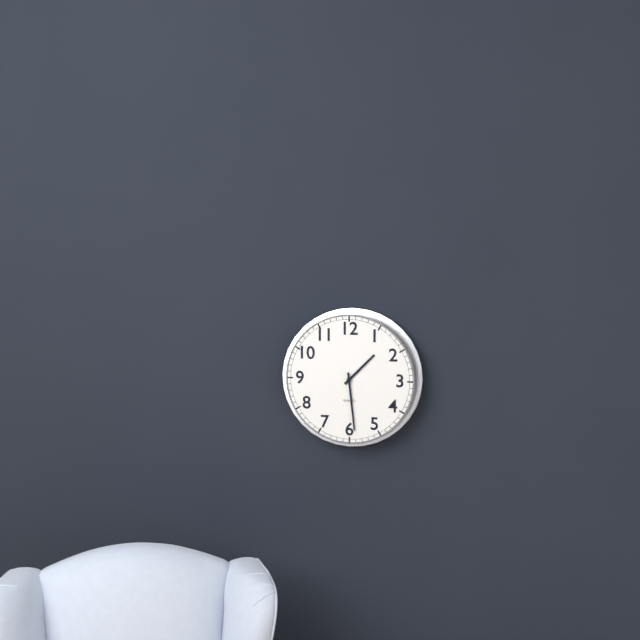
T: 1:29
